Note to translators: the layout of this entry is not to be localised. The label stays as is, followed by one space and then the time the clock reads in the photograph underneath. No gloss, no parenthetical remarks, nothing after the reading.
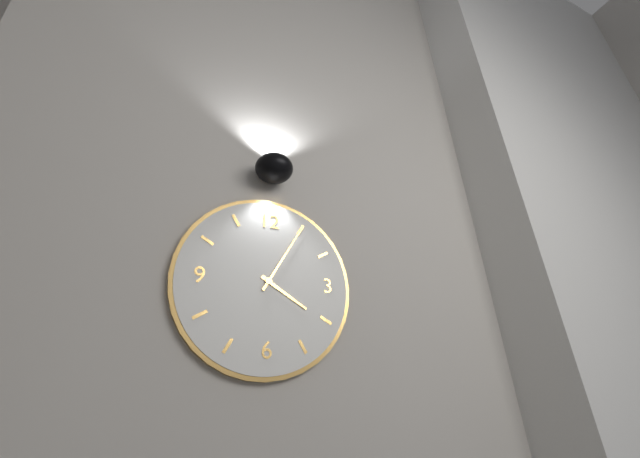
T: 4:05
